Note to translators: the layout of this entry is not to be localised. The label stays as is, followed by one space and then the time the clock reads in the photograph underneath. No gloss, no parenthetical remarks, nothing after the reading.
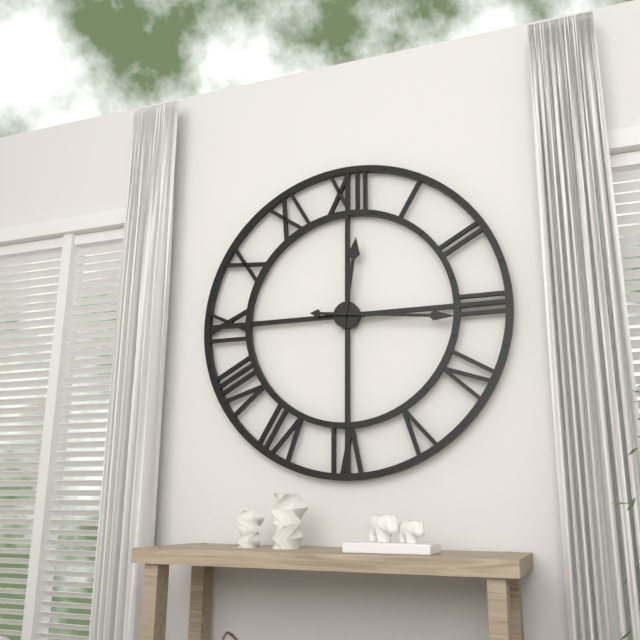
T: 12:16
